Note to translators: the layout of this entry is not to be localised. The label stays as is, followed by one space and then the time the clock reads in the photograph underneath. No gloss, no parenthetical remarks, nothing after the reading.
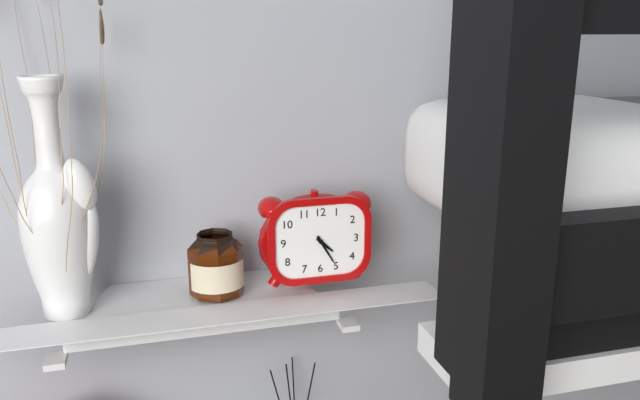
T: 4:25
